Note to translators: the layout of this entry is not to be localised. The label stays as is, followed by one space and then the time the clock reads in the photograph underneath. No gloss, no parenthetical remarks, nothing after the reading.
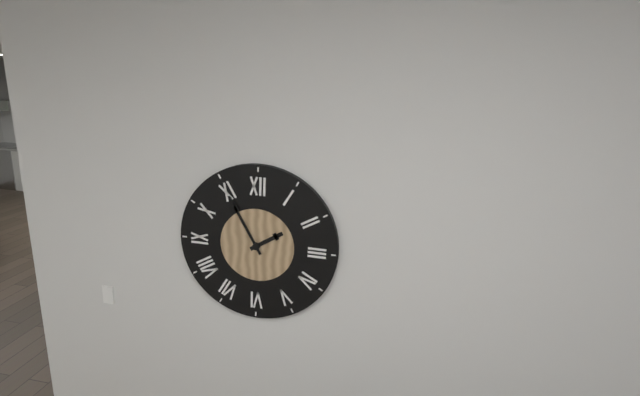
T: 1:55
